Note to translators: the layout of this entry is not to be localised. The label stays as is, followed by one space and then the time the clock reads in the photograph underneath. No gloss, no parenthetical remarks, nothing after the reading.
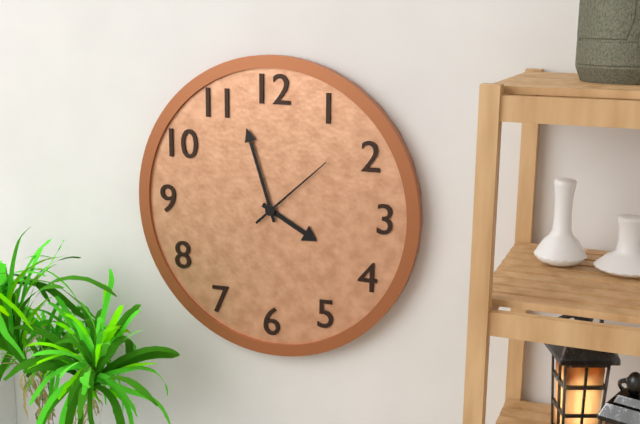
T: 3:57:08
